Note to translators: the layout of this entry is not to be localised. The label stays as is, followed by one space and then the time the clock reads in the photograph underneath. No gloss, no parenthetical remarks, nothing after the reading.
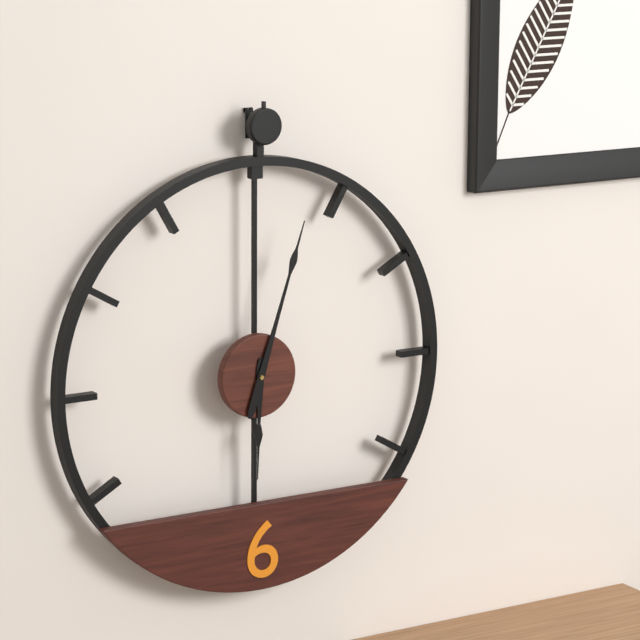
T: 6:03
